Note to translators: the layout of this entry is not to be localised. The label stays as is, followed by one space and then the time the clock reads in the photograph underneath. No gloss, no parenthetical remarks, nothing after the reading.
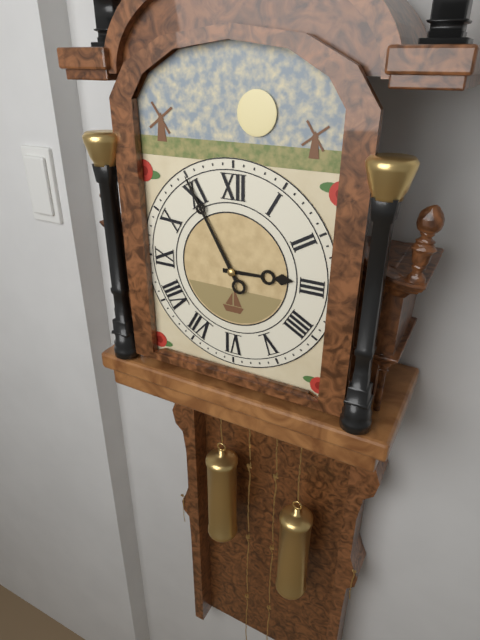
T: 2:55
